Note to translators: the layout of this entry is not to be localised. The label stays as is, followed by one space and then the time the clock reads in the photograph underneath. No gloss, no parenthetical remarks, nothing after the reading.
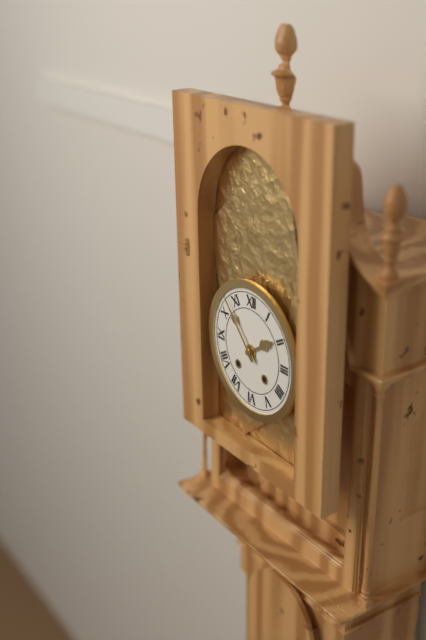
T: 1:53
